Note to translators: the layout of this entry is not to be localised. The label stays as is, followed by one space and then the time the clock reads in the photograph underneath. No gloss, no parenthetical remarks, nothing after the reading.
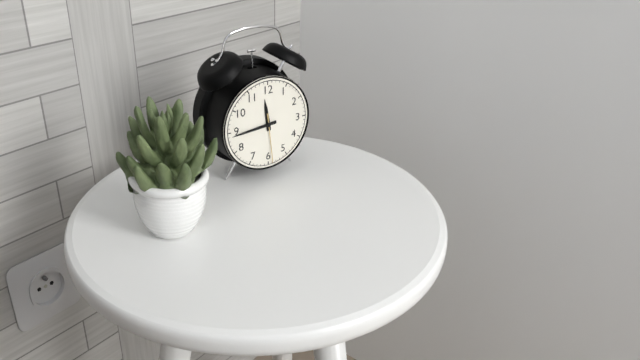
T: 11:44
